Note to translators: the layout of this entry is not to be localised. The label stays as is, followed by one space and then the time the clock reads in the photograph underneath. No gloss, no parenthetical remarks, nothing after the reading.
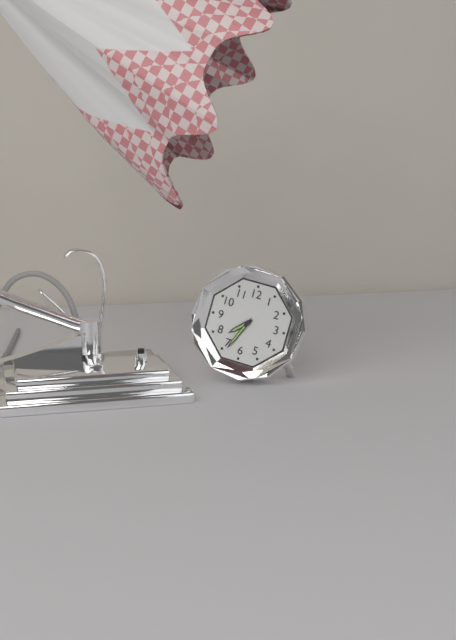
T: 7:34
